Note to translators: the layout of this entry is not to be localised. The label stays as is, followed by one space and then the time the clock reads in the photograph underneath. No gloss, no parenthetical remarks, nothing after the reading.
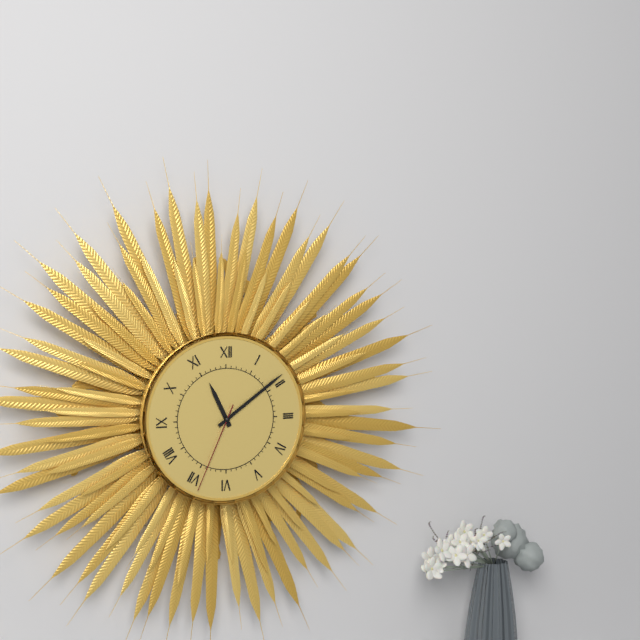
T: 11:09:34
